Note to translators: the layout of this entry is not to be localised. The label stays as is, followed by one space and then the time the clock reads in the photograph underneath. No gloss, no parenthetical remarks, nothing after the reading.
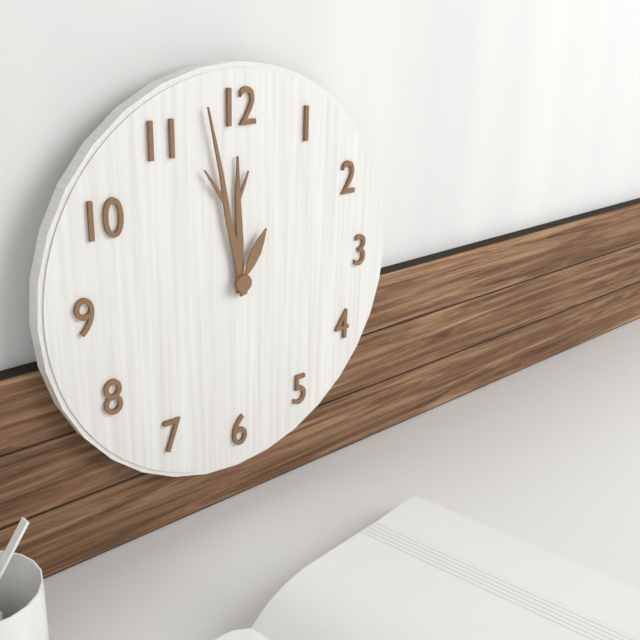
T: 11:58:05
